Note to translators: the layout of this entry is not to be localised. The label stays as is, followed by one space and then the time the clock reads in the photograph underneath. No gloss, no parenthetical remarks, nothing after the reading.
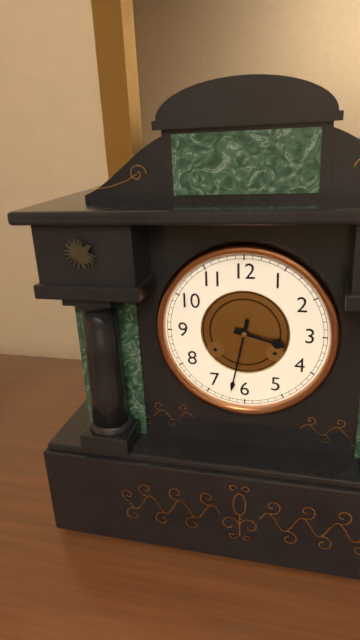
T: 3:32
